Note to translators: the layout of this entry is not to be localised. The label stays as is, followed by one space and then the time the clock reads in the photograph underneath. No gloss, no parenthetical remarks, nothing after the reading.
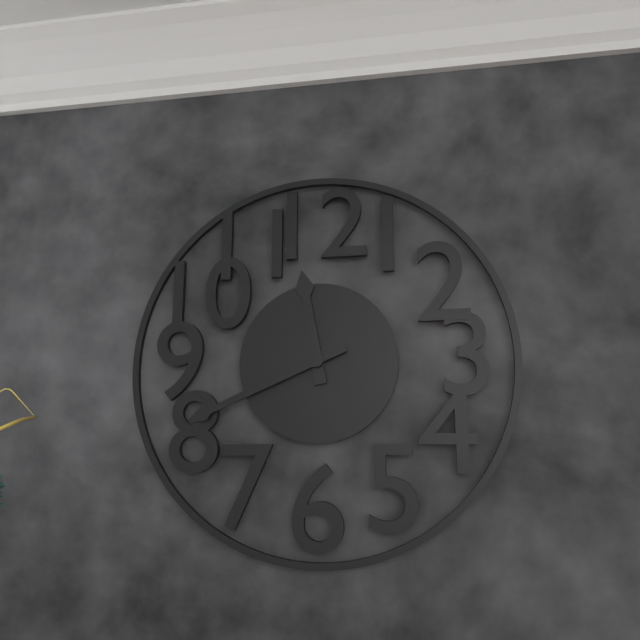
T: 11:41
